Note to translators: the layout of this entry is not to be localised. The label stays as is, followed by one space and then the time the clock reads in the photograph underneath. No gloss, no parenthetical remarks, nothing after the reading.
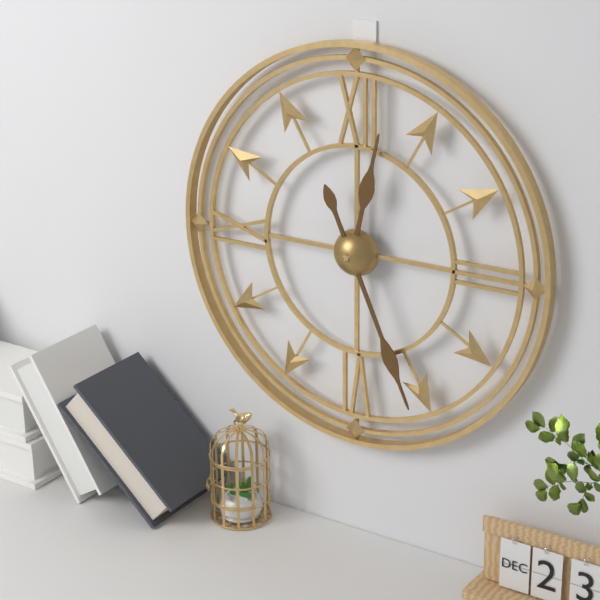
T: 12:26
